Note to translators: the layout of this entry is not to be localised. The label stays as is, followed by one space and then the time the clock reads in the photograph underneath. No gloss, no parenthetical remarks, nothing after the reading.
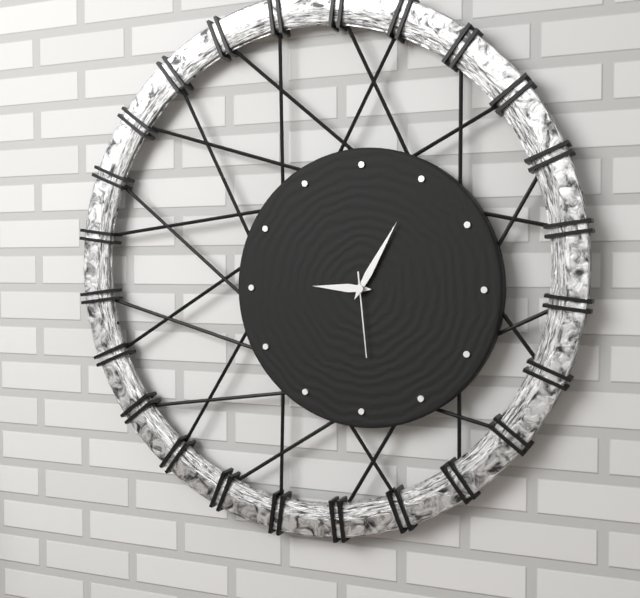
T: 9:05:29
